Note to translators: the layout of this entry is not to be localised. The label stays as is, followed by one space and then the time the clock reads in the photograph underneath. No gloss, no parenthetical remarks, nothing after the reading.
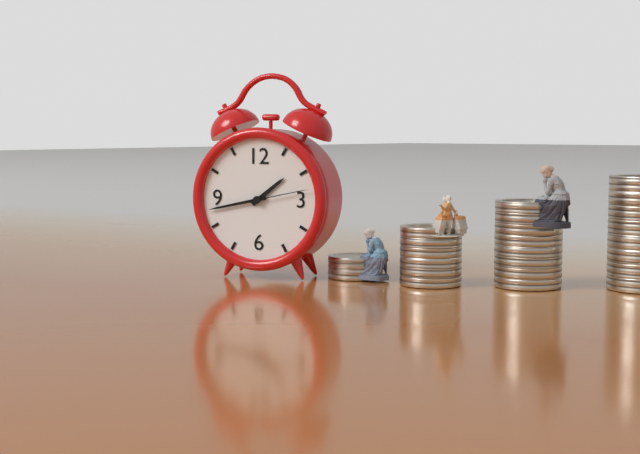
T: 1:43:13
